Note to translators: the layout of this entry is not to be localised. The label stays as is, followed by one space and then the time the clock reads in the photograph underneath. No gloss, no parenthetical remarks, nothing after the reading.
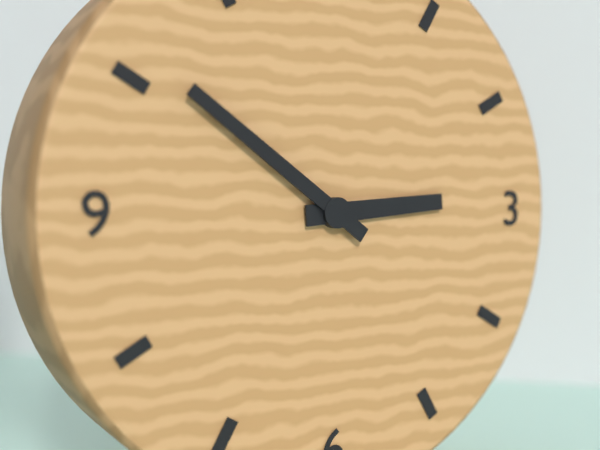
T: 2:51
